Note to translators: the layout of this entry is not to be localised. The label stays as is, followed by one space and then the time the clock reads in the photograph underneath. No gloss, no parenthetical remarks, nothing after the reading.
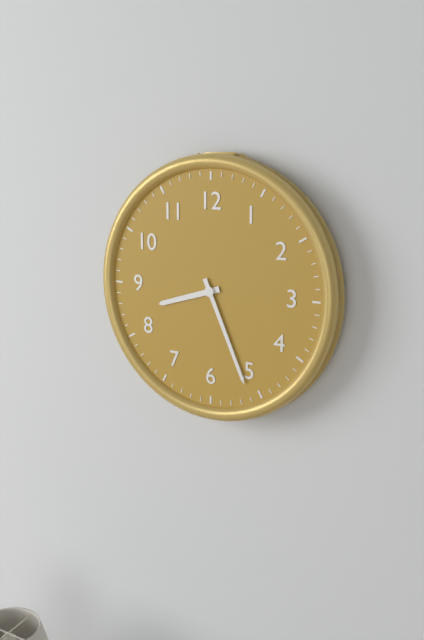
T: 8:26
